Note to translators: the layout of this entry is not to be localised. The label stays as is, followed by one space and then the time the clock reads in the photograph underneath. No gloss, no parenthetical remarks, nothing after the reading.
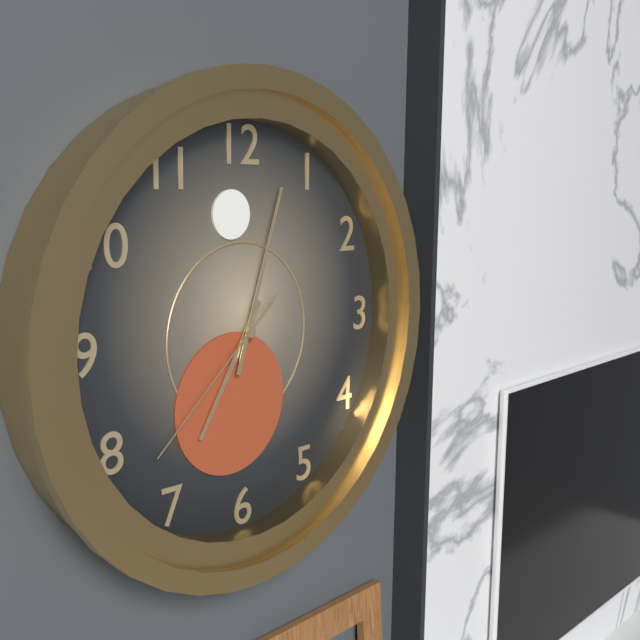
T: 7:03:38
